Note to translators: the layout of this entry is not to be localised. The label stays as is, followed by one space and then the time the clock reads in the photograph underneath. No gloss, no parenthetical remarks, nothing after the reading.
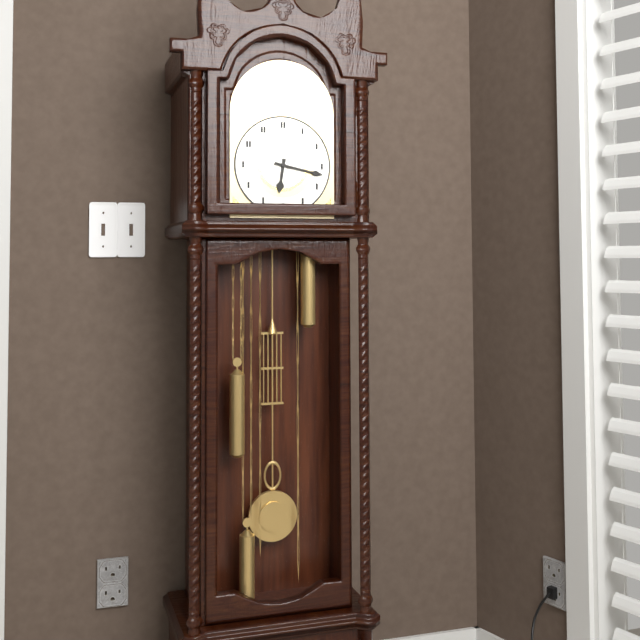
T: 6:17
